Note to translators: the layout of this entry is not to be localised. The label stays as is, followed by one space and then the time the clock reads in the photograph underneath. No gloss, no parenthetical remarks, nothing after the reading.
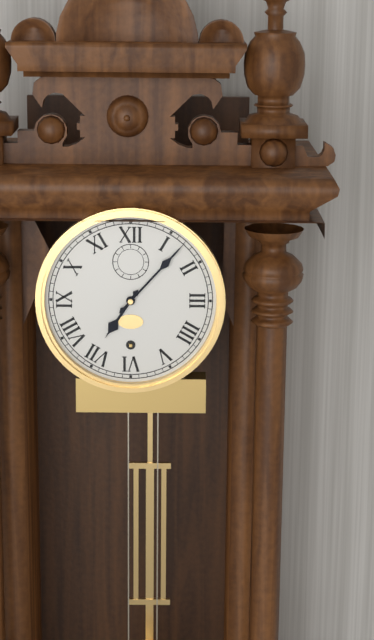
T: 7:07
